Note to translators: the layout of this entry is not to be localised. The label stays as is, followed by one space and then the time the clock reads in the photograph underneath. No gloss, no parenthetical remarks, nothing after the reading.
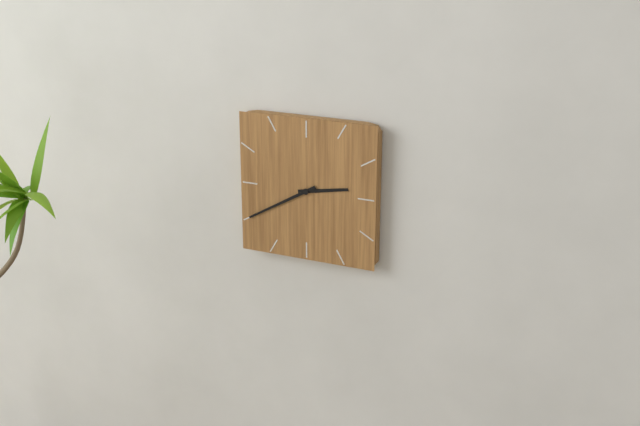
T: 2:40
